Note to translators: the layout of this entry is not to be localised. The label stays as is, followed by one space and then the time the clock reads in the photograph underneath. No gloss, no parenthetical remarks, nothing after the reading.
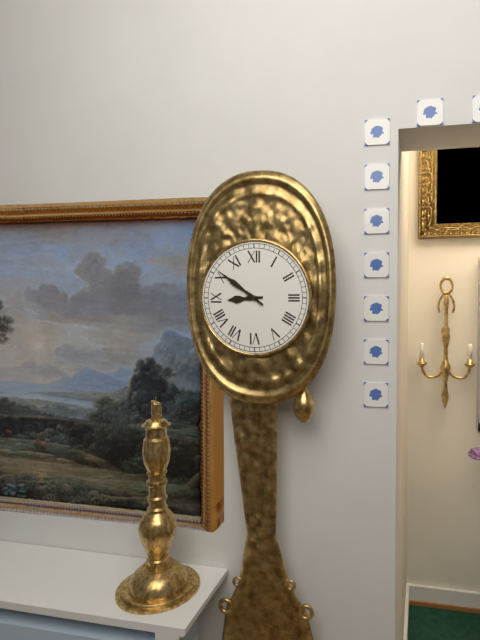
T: 8:51
